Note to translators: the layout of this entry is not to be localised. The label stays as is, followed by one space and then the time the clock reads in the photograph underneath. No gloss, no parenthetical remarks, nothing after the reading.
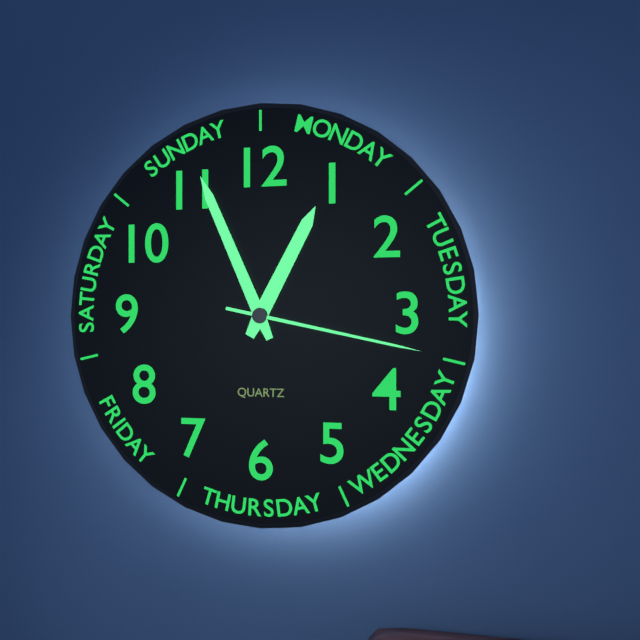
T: 12:56:17
